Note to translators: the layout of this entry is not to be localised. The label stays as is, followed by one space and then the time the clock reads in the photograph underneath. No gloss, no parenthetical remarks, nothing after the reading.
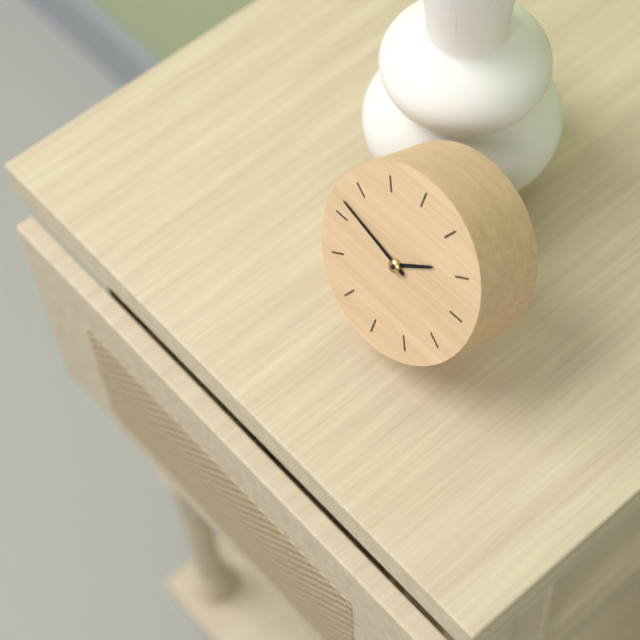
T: 1:47
